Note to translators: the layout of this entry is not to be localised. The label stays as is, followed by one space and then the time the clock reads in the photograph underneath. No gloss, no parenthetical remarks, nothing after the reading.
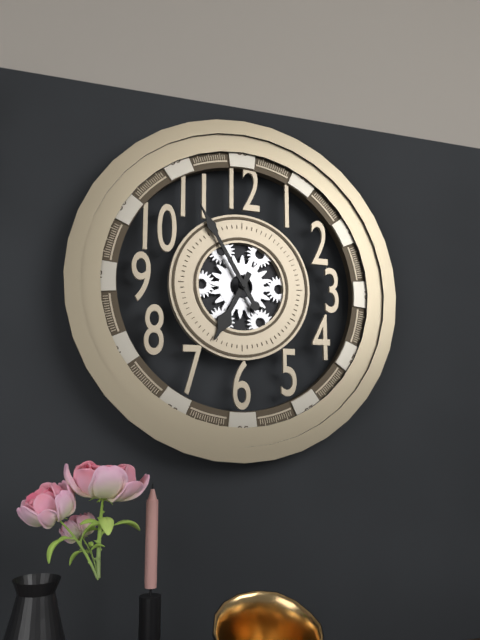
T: 6:55
